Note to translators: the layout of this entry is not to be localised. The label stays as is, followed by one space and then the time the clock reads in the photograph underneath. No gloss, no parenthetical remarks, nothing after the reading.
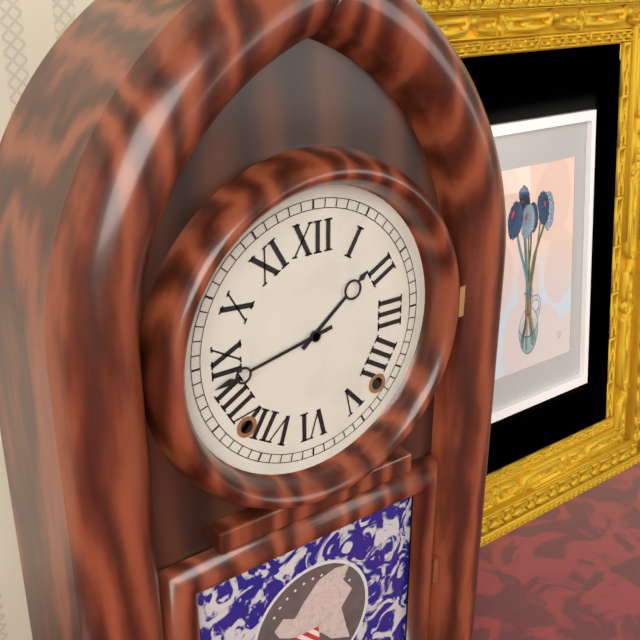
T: 1:43
